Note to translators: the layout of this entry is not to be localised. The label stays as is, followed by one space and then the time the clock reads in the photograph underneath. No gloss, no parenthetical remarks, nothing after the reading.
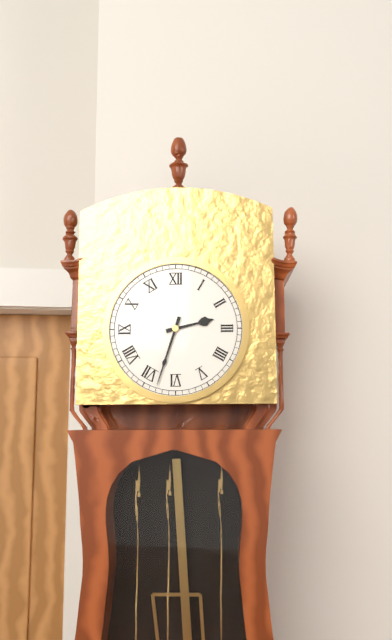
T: 2:33
